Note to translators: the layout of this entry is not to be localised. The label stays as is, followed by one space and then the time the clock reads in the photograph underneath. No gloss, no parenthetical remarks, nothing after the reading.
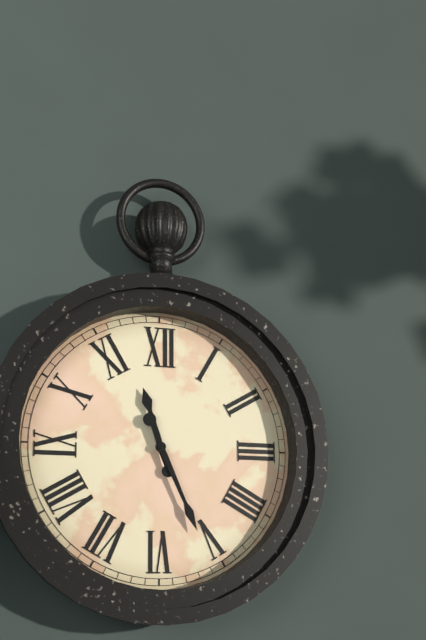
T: 11:26
